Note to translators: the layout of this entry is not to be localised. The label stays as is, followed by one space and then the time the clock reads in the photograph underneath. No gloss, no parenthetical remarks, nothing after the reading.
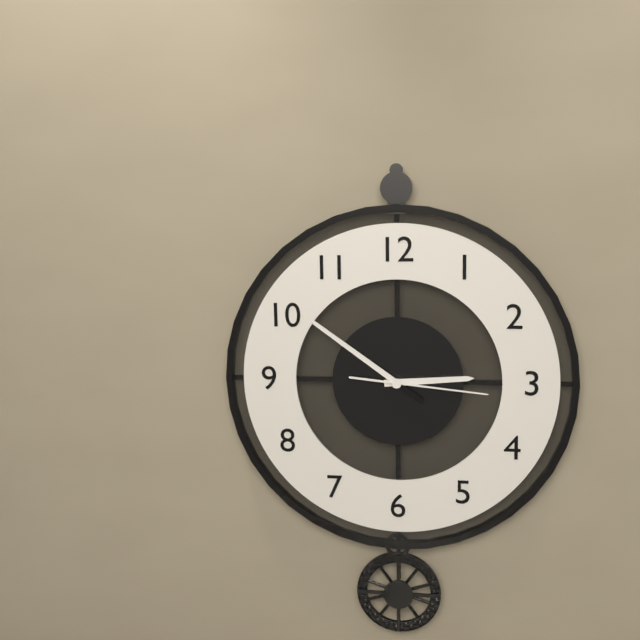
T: 2:51:16
